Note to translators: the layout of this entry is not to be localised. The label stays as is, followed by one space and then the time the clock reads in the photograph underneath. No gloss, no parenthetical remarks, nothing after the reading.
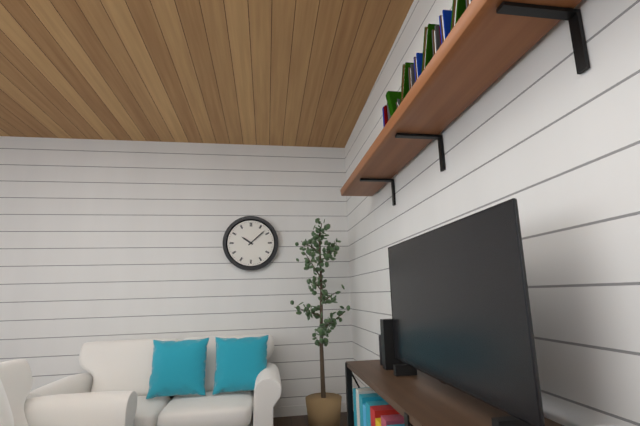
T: 10:08
